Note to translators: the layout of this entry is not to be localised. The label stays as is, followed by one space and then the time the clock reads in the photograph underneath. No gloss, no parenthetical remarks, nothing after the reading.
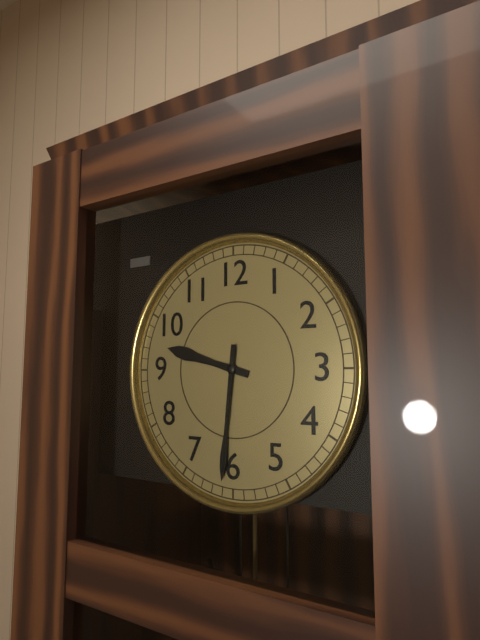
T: 9:31
